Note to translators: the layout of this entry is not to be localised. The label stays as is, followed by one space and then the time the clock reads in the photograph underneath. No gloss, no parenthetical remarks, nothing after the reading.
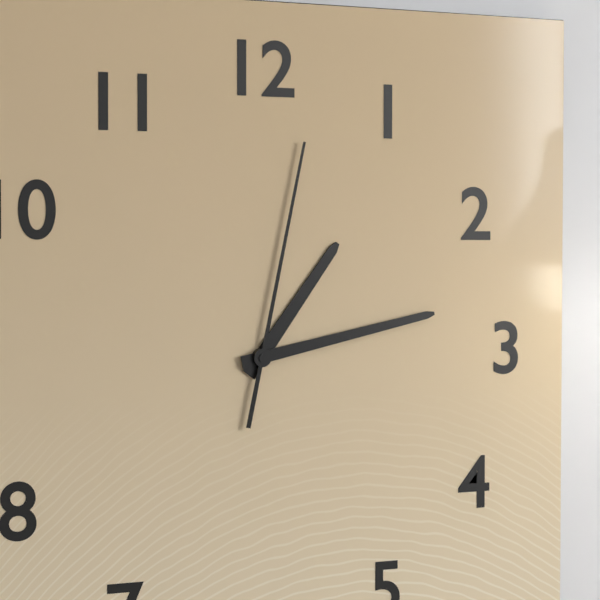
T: 1:13:02
